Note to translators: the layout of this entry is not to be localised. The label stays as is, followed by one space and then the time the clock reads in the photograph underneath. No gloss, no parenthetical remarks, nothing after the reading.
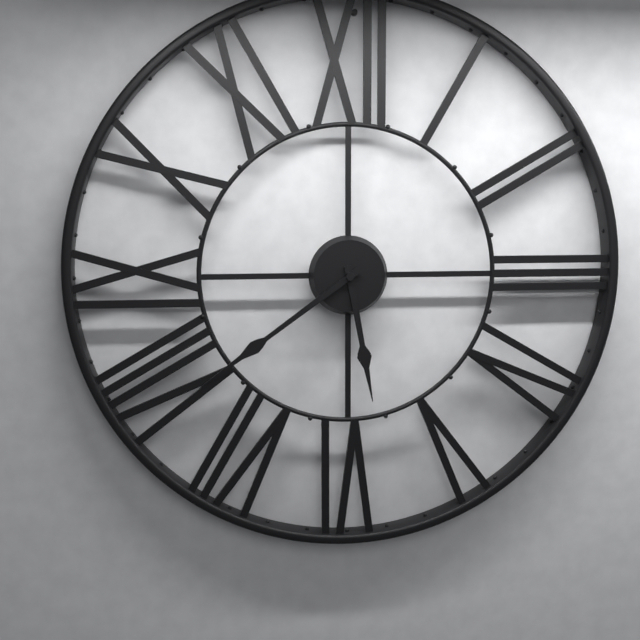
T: 5:39
